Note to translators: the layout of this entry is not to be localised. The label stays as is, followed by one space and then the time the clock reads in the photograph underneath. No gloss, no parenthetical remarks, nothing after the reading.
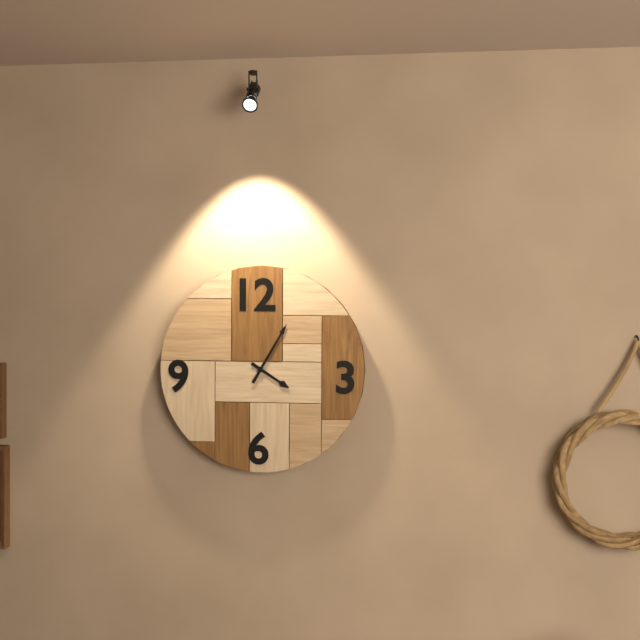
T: 4:05
